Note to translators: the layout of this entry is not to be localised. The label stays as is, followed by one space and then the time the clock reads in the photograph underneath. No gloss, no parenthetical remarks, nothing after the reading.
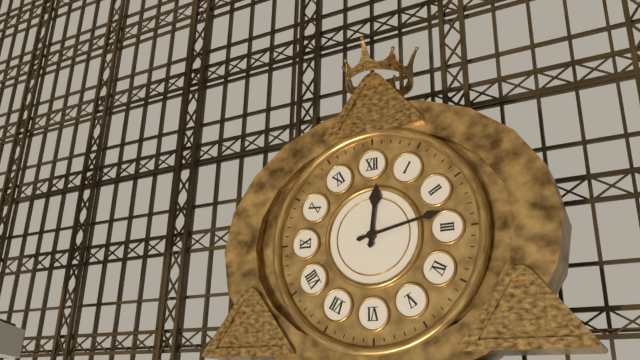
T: 12:13
